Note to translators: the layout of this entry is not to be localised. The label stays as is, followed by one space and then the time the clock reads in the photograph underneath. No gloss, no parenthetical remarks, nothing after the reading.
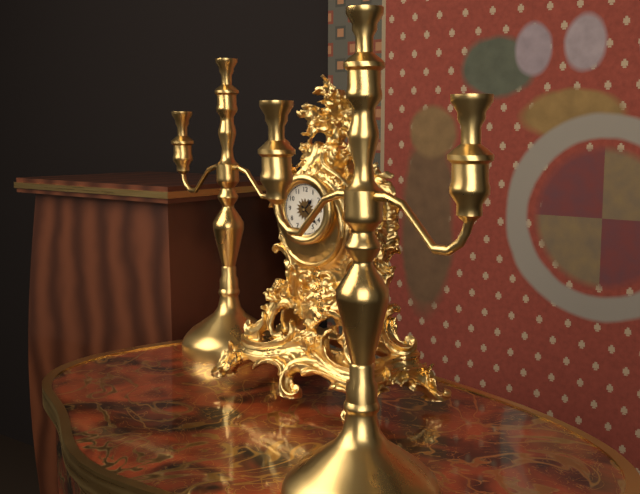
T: 1:22
